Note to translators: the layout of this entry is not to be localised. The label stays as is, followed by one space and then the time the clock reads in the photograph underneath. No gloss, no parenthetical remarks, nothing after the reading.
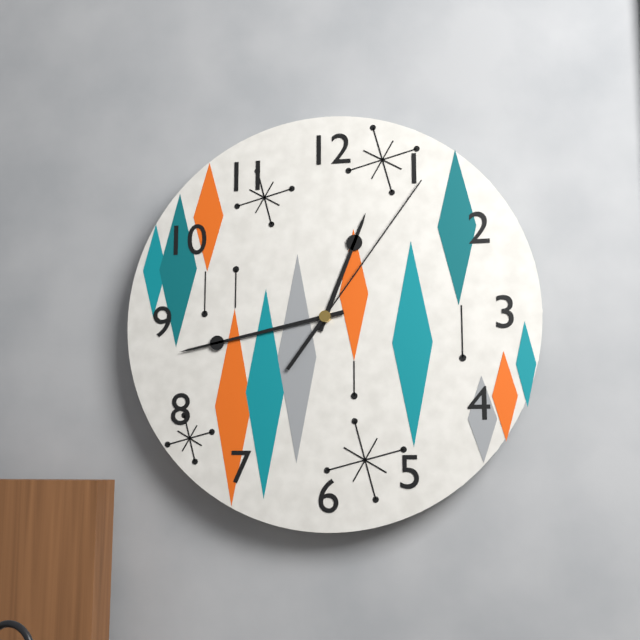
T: 12:43:06
